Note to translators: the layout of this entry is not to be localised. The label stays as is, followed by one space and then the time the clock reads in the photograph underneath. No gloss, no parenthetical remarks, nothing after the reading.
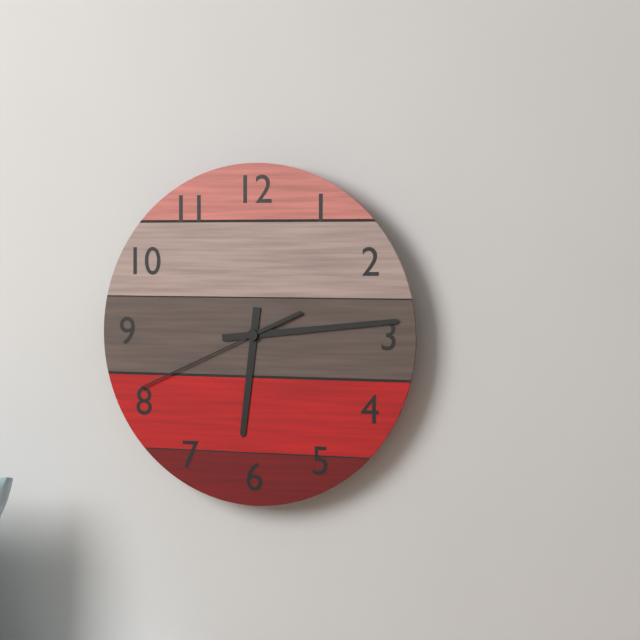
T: 6:14:41
